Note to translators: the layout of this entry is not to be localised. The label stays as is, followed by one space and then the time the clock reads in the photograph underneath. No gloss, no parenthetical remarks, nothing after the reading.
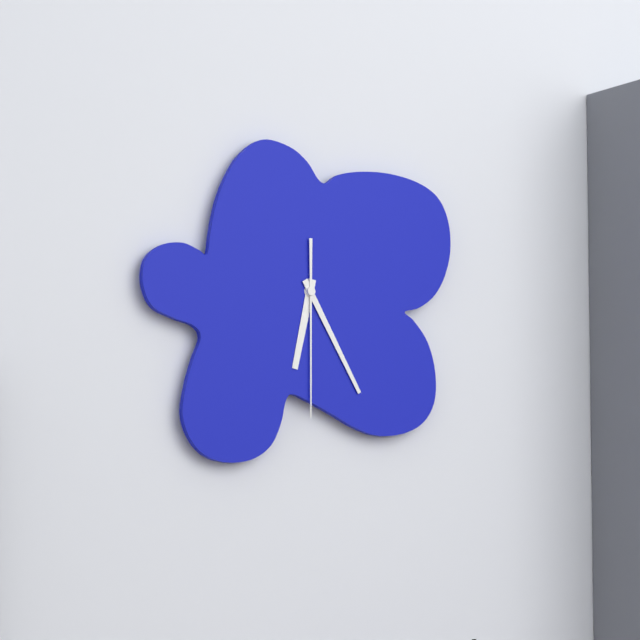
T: 6:25:30
